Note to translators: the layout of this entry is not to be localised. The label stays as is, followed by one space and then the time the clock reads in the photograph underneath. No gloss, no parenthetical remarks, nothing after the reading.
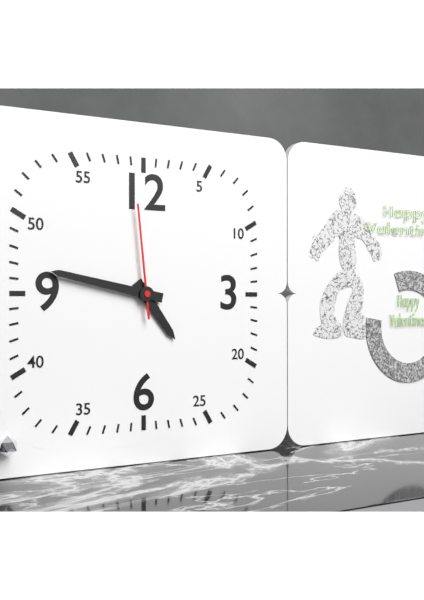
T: 4:47:59
